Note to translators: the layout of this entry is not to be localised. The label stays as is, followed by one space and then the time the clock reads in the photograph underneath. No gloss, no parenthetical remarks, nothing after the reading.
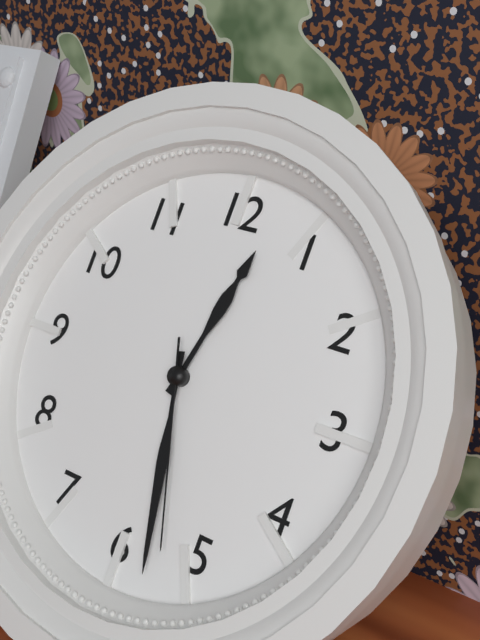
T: 12:28:27
